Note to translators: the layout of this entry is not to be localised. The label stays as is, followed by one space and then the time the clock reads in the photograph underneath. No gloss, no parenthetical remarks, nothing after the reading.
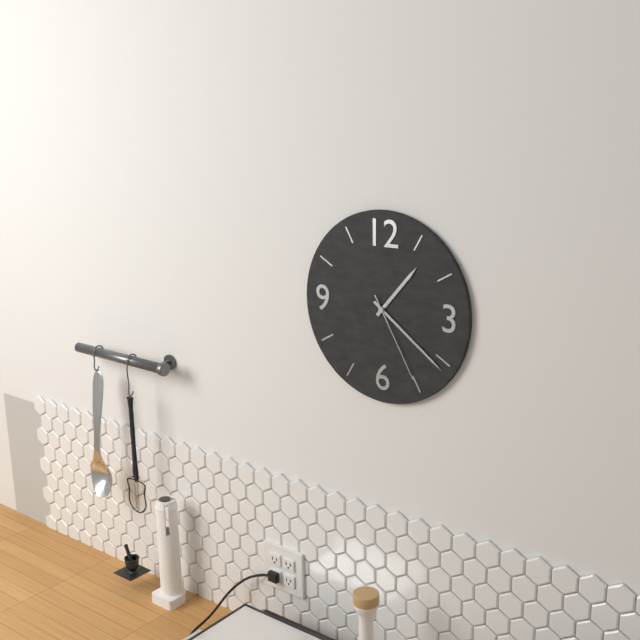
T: 1:21:25
